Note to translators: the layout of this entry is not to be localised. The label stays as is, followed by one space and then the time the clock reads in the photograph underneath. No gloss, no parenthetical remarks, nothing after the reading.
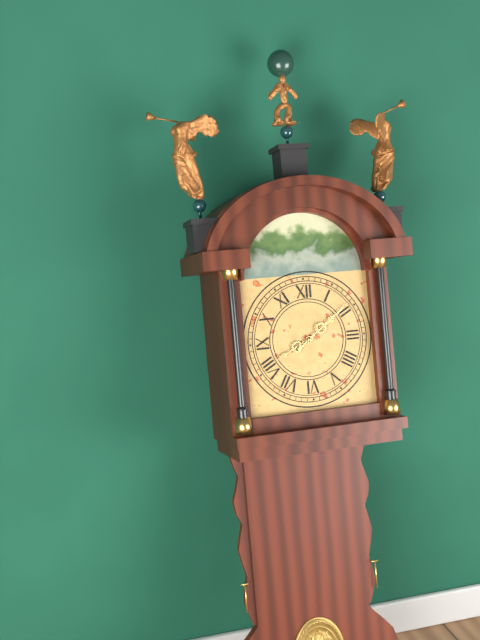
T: 8:09
